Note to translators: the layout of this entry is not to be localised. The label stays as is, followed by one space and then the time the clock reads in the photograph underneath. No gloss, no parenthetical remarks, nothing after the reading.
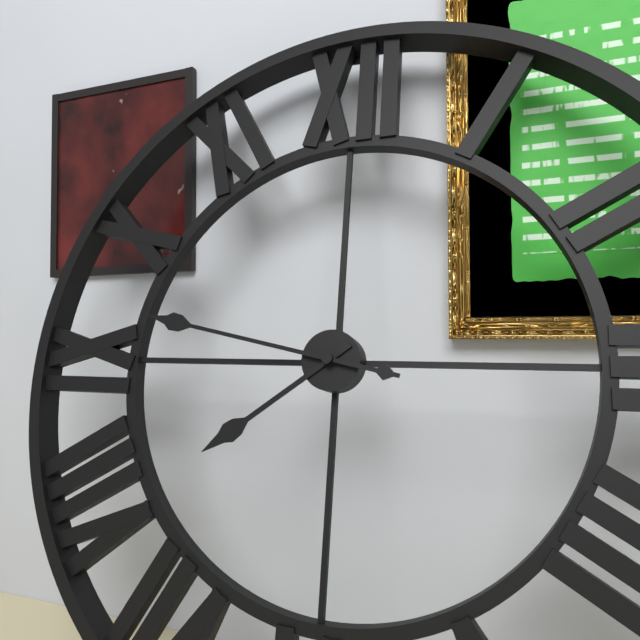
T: 7:47
